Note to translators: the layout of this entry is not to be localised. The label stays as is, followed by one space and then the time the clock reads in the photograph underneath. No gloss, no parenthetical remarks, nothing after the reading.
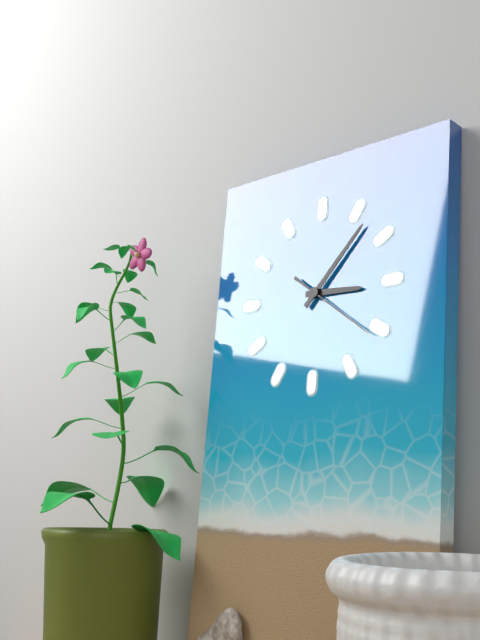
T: 3:07:21
